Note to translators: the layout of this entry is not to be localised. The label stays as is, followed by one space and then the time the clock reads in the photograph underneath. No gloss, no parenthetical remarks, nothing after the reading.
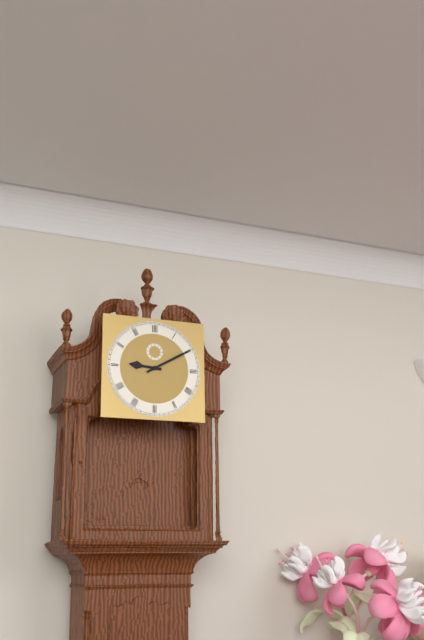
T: 9:10
